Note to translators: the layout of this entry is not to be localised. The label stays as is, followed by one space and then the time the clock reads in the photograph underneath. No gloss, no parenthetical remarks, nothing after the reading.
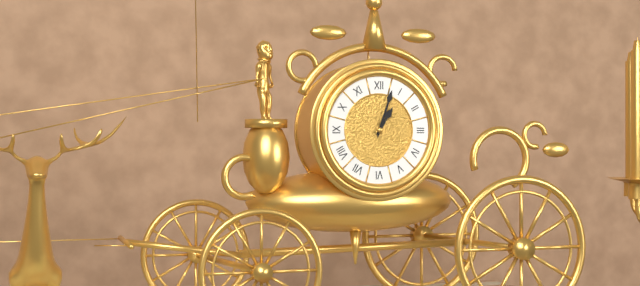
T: 1:03
